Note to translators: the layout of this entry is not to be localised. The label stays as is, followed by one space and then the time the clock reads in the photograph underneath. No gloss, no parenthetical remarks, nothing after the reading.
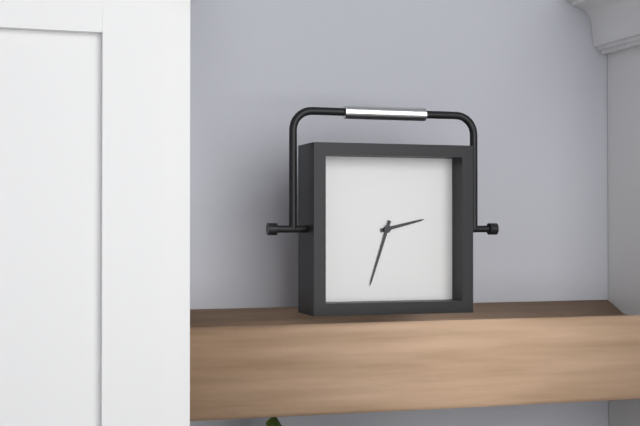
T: 2:33
